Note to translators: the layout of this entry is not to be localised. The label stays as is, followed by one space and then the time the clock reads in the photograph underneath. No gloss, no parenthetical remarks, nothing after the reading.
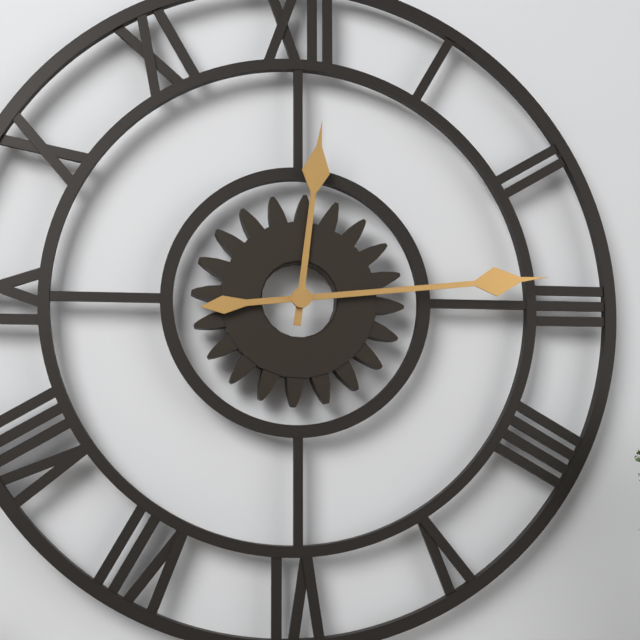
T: 12:14
